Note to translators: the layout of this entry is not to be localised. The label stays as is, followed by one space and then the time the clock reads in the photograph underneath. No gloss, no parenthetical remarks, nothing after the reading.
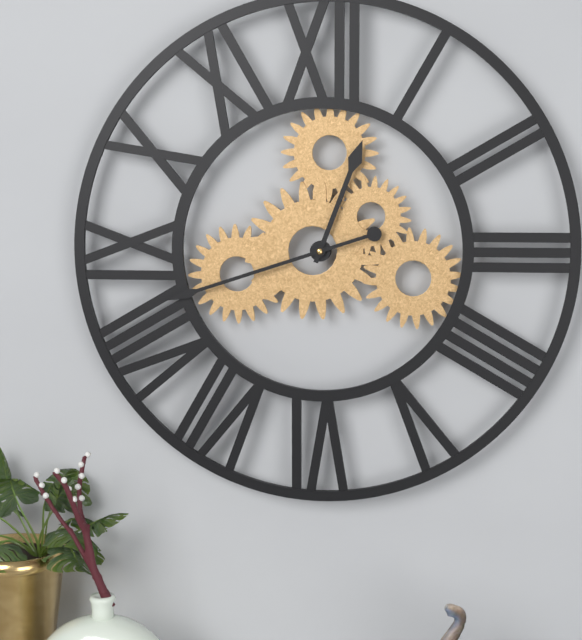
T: 12:42
